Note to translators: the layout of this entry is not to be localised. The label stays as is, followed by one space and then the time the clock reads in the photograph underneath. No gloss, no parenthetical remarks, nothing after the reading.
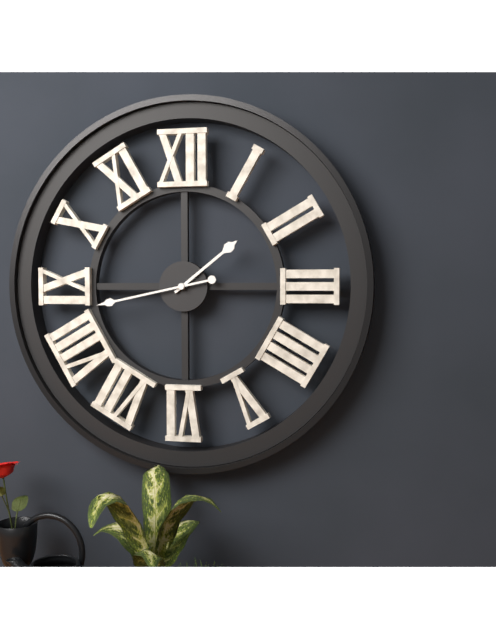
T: 1:43
